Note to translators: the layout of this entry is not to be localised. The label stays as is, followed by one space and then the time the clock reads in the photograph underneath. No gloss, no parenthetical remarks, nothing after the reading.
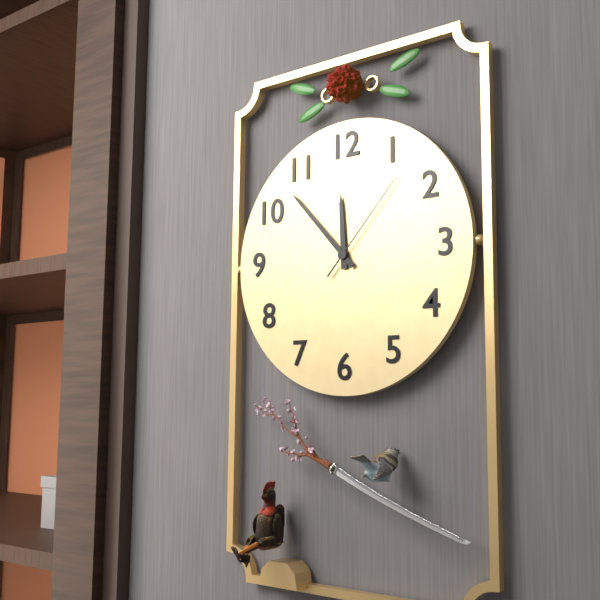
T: 11:53:07
